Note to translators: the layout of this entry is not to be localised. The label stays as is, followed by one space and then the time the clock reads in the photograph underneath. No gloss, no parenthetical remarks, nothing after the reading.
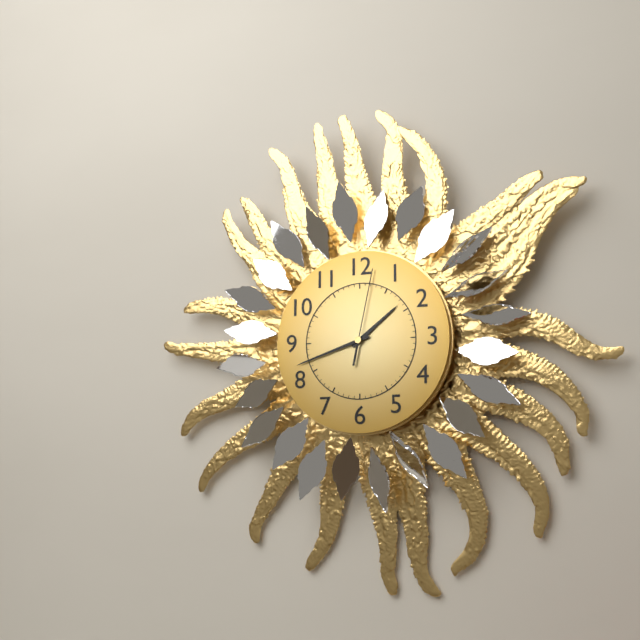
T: 1:42:02
